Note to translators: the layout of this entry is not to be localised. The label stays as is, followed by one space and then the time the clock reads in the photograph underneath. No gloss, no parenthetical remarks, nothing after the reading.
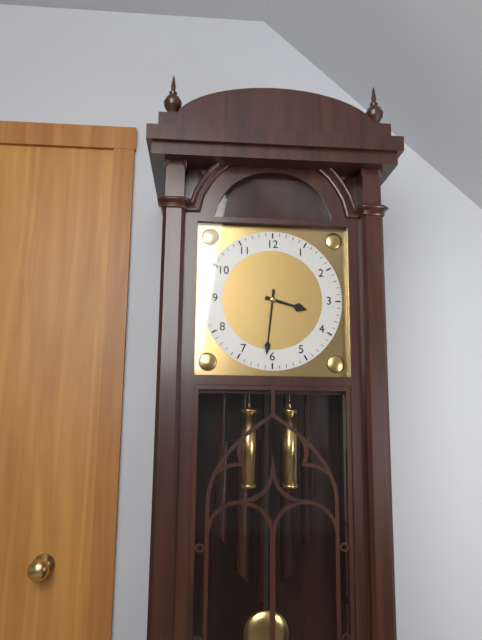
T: 3:31
